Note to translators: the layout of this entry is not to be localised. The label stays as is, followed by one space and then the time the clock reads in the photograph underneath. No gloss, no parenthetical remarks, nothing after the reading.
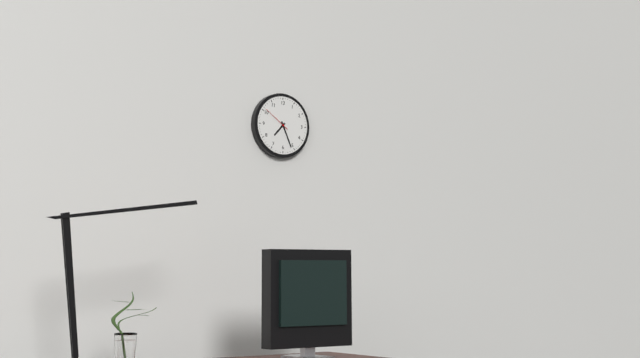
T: 7:26
